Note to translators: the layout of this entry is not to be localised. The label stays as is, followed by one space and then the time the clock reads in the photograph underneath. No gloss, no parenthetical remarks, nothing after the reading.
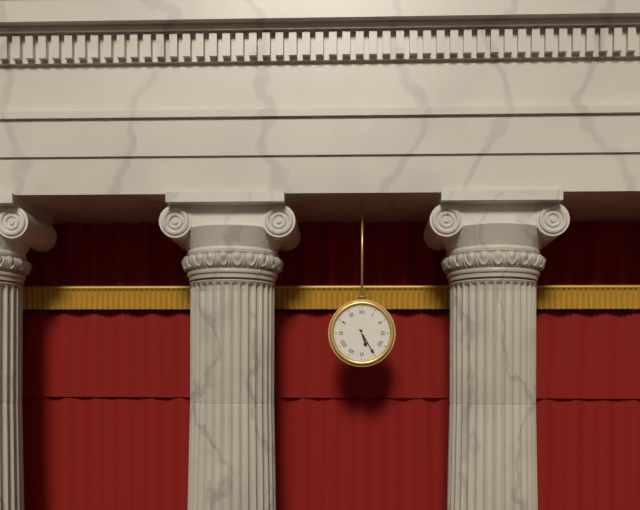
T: 5:25
